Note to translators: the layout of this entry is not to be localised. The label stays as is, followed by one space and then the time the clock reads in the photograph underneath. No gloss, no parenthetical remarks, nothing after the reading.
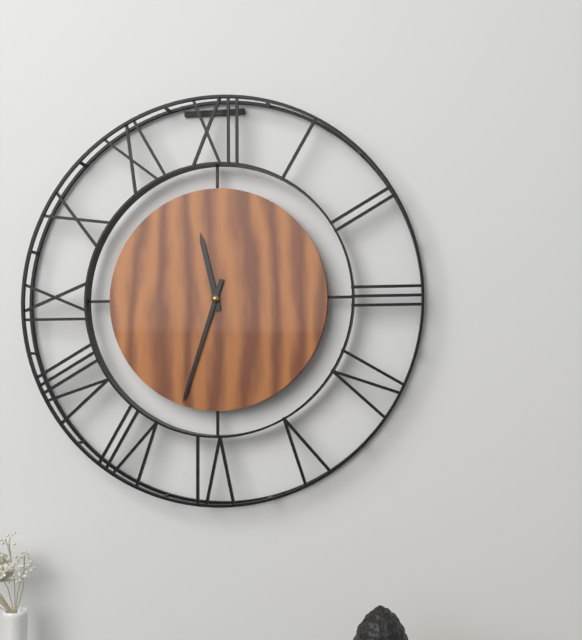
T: 11:33
